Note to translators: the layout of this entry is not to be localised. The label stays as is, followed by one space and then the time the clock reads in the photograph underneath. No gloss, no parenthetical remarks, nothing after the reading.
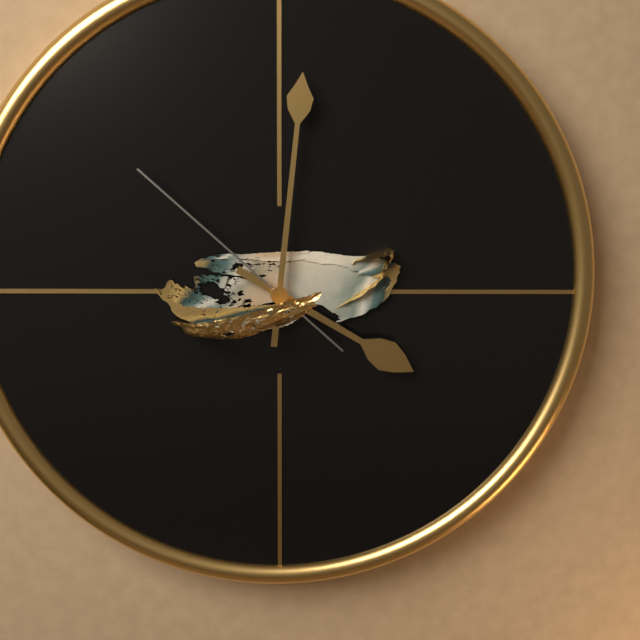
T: 4:01:52
